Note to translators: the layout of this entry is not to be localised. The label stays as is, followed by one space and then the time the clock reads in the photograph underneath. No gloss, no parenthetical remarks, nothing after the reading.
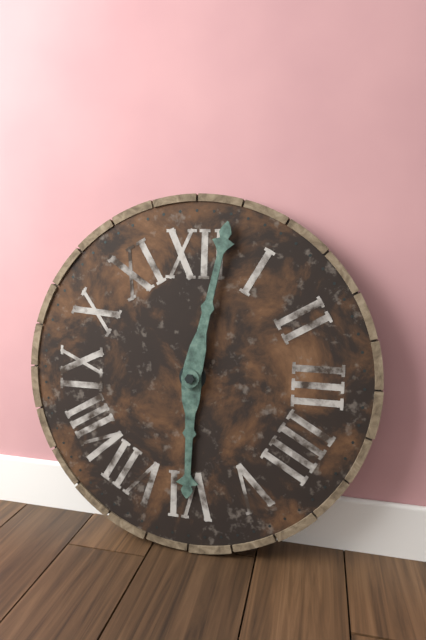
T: 6:02
